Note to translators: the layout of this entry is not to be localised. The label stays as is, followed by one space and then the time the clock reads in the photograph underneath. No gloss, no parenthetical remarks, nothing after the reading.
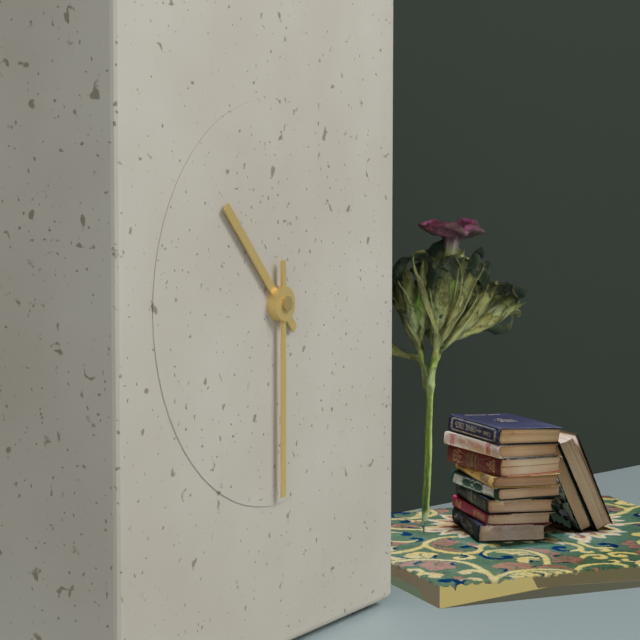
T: 10:30
